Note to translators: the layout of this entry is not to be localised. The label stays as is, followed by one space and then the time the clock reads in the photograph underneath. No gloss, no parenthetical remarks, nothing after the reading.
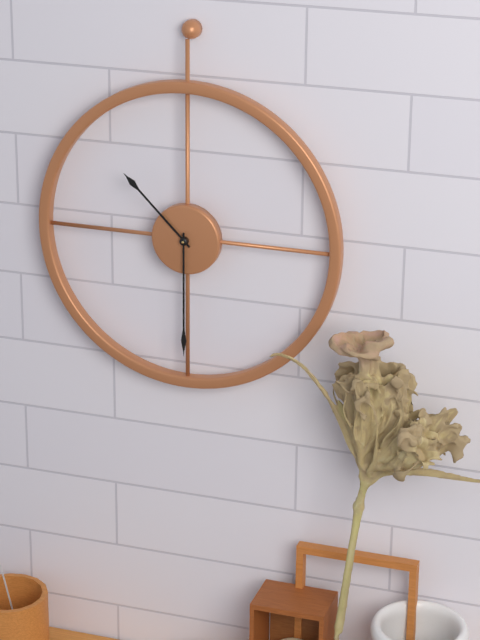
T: 10:30
